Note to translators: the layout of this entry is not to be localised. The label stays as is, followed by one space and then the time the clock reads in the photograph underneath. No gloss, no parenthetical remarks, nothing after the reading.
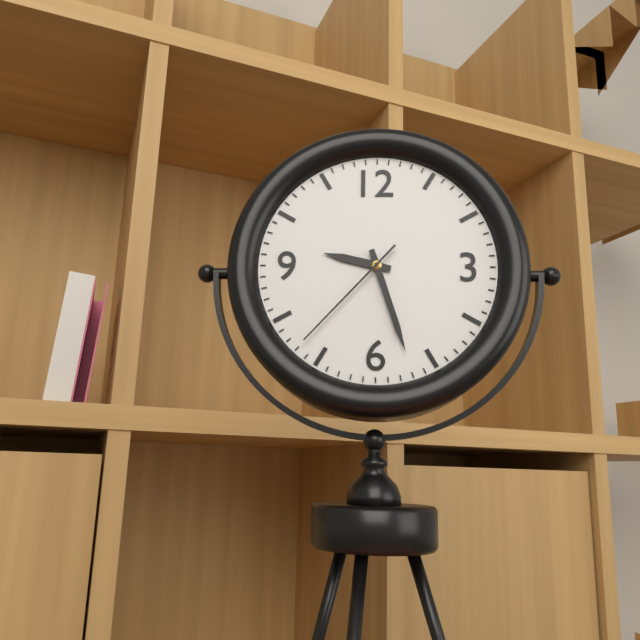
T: 9:27:37
